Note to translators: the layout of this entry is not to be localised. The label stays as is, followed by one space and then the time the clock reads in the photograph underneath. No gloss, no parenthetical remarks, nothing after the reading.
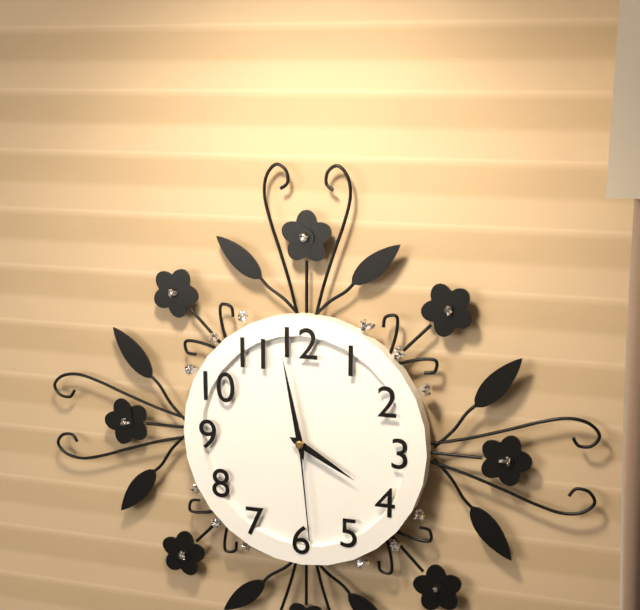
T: 3:58:29
